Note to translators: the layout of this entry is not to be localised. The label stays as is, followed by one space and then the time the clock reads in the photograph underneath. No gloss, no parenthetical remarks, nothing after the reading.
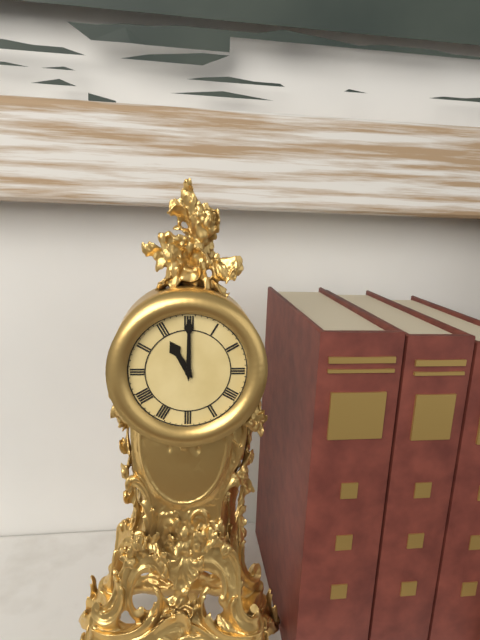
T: 11:00
